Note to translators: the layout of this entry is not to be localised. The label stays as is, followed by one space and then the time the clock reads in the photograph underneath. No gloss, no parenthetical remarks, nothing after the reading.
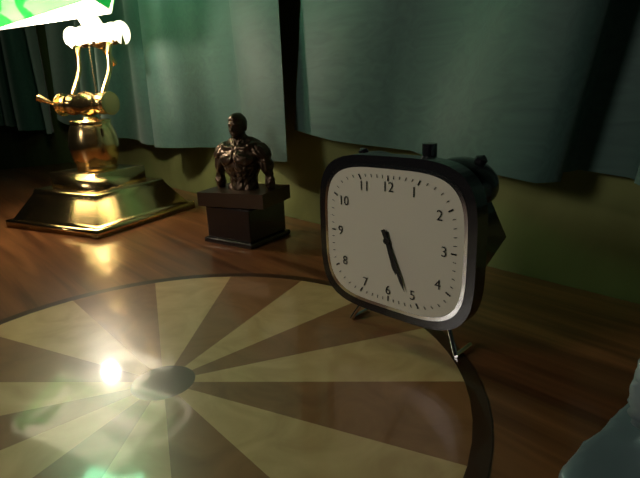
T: 5:26
